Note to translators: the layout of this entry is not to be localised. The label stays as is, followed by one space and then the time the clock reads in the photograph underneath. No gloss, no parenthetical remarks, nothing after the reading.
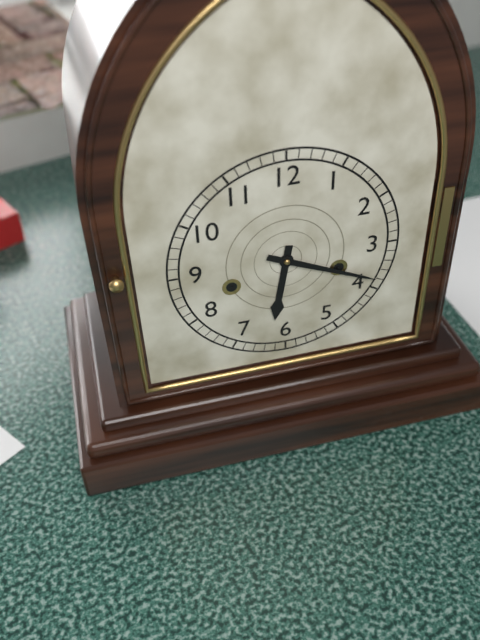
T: 6:19
